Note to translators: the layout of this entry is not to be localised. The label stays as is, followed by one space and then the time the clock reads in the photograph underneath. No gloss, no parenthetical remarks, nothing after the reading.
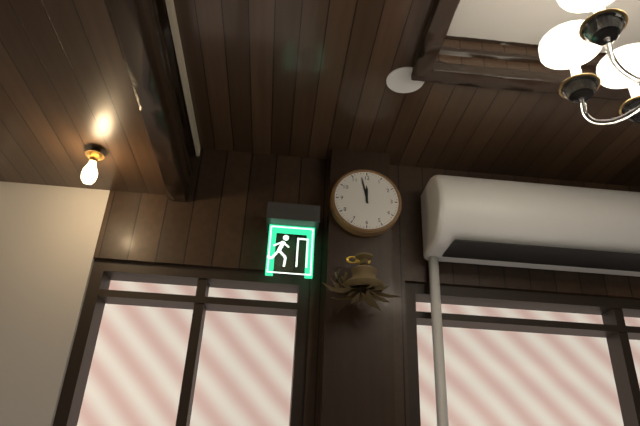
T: 11:58
